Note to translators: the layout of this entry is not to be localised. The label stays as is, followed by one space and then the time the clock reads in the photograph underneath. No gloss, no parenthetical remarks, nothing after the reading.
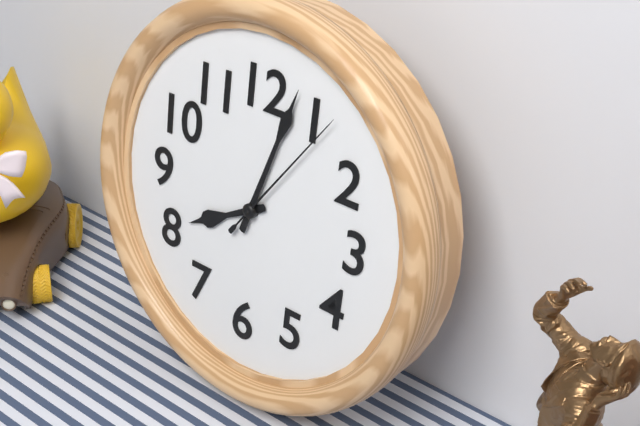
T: 8:03:06
